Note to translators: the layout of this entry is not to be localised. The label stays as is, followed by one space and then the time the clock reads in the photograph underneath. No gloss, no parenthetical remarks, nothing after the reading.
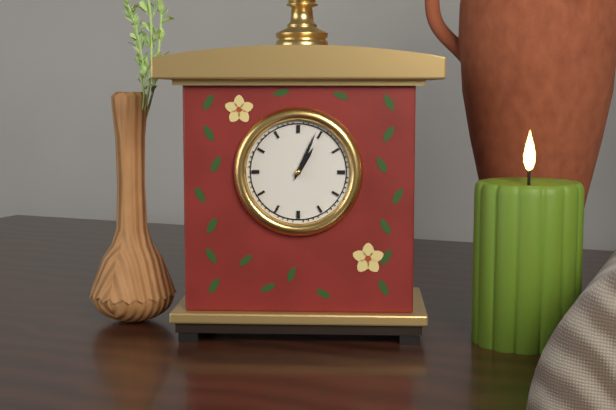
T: 1:04
